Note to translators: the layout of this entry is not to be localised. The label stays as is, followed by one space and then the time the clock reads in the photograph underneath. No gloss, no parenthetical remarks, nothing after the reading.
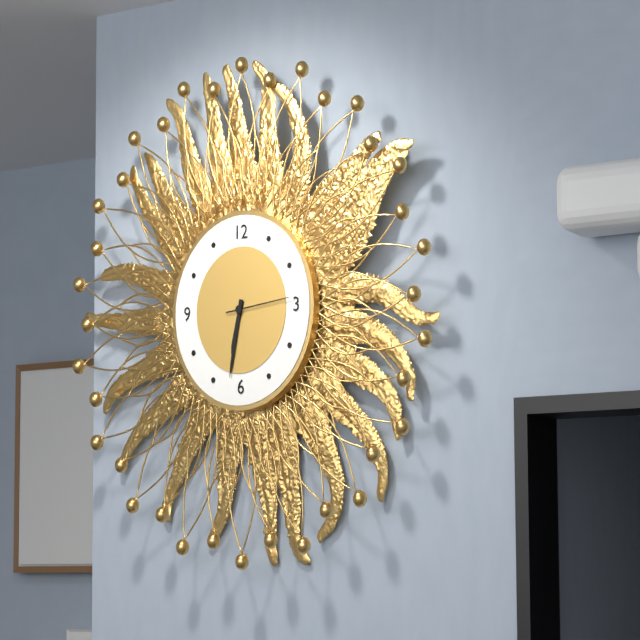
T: 6:32:14
